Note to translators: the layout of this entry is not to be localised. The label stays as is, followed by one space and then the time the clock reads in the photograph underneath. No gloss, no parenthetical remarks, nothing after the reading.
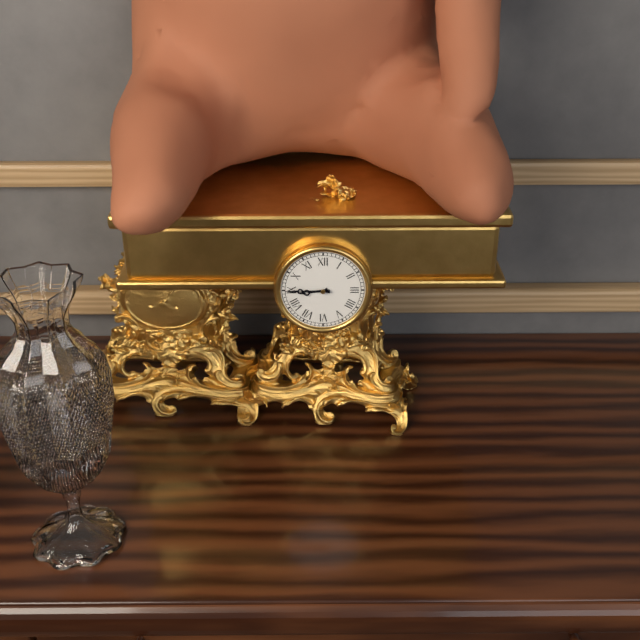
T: 8:45
